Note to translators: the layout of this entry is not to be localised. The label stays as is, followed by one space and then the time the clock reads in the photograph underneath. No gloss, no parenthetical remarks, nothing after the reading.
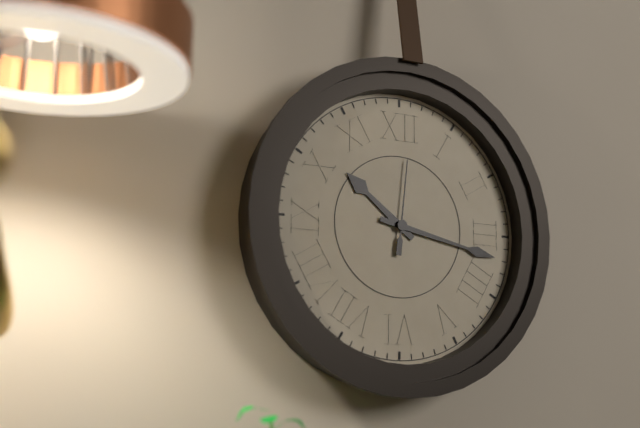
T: 10:17:01
